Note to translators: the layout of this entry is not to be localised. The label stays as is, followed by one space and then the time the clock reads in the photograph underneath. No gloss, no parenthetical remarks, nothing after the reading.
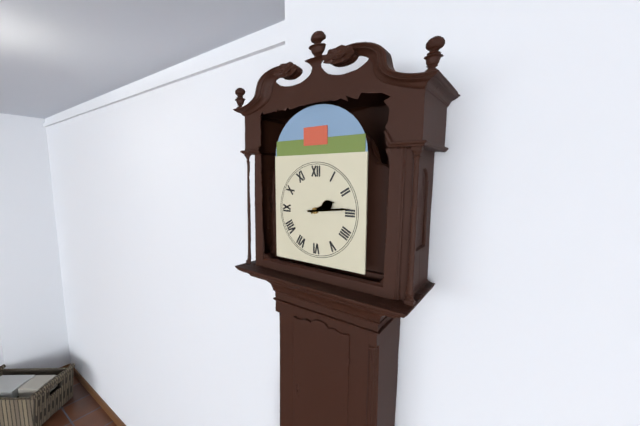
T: 2:14
